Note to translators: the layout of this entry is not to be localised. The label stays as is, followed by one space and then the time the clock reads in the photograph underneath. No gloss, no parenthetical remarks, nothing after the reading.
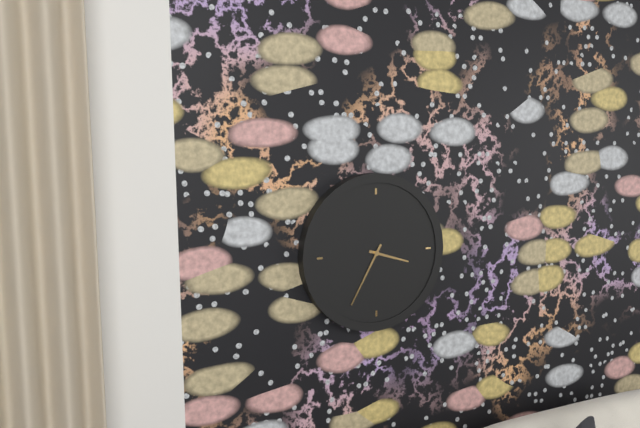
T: 3:35
